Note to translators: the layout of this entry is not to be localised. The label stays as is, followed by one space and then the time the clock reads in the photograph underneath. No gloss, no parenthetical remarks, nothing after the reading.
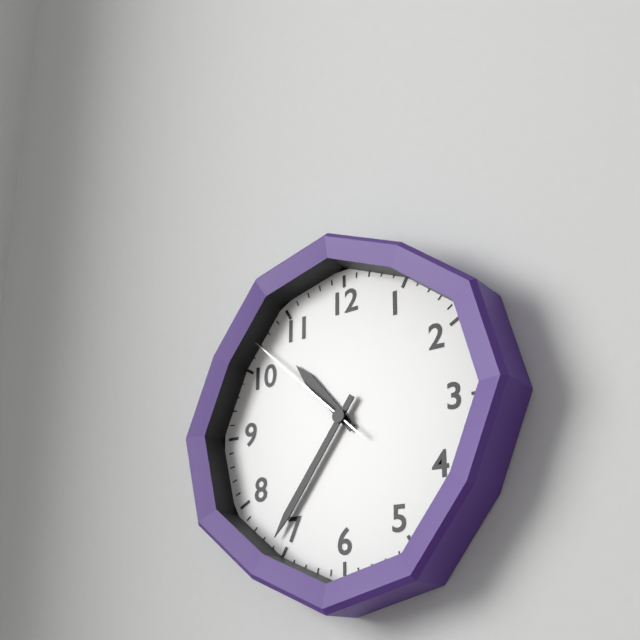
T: 10:36:52
